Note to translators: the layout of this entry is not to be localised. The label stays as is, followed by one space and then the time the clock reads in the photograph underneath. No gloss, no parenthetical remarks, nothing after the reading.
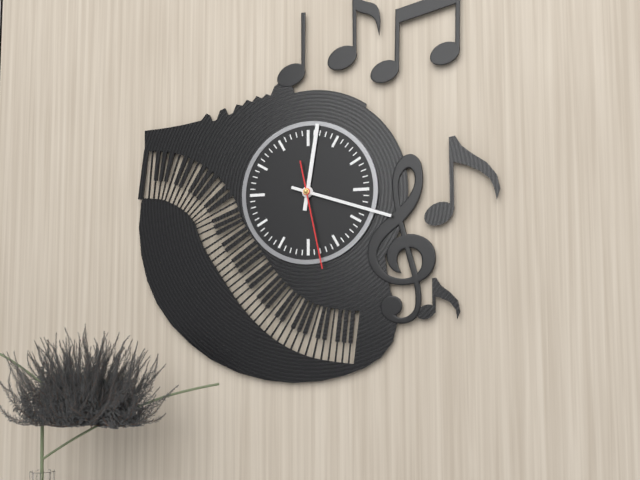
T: 12:18:28
